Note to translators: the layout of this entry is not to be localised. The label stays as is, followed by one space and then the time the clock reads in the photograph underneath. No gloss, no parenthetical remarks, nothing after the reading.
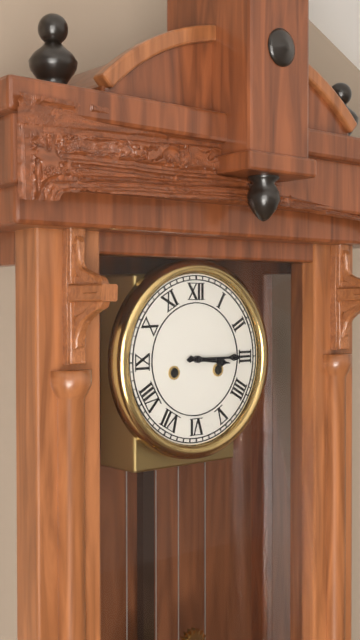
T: 3:15
